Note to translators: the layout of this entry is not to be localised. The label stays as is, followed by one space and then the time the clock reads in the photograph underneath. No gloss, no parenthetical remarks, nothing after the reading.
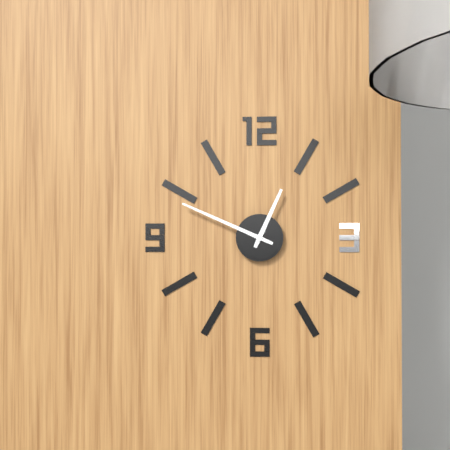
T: 12:49
